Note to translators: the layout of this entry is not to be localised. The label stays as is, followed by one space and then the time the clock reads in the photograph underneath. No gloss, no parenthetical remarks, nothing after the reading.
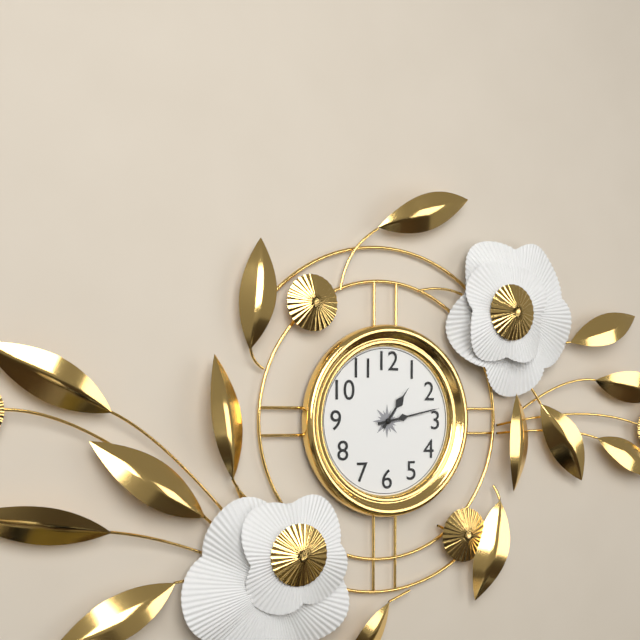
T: 1:13
